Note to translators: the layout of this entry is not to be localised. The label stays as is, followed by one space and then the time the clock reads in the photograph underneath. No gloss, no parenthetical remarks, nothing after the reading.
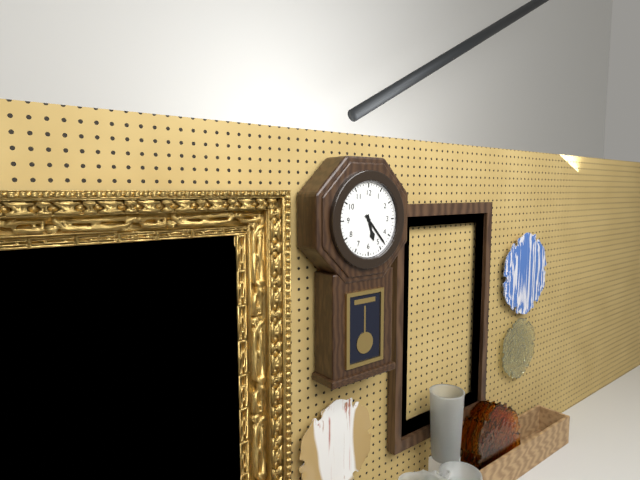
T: 5:23
